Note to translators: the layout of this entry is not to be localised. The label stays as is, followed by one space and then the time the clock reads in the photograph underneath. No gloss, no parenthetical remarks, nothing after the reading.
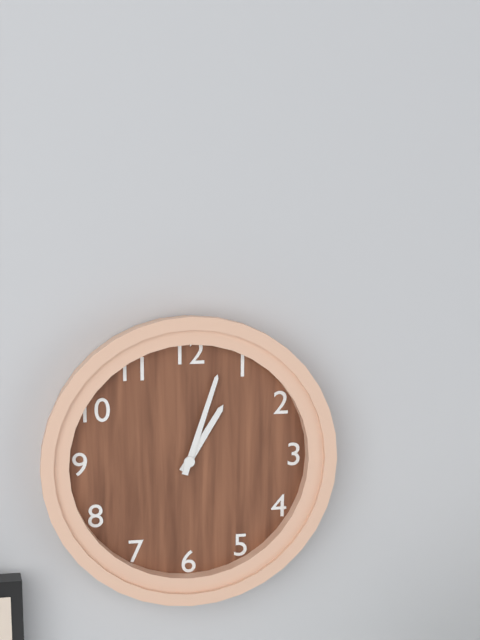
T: 1:03
